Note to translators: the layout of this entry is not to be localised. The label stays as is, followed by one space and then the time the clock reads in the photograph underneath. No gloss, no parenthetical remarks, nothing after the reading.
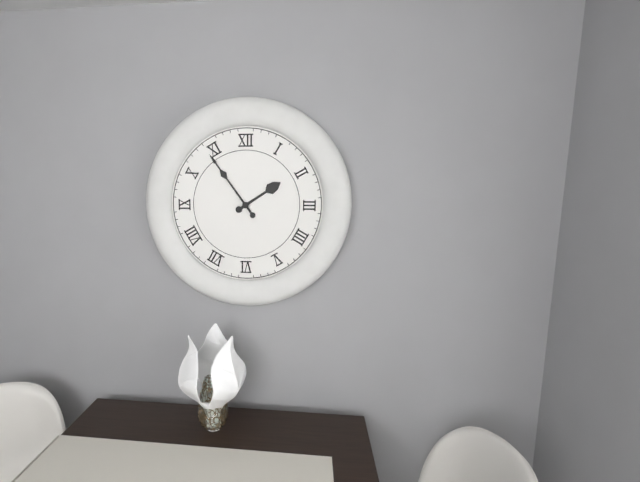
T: 1:54
